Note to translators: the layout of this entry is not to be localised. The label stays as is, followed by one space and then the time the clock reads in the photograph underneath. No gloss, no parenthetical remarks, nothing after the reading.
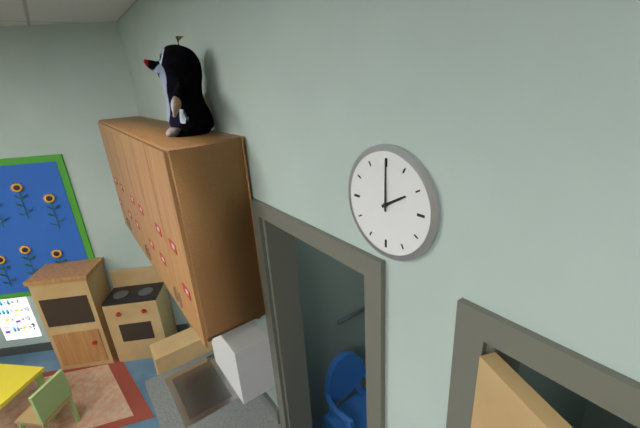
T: 2:00
